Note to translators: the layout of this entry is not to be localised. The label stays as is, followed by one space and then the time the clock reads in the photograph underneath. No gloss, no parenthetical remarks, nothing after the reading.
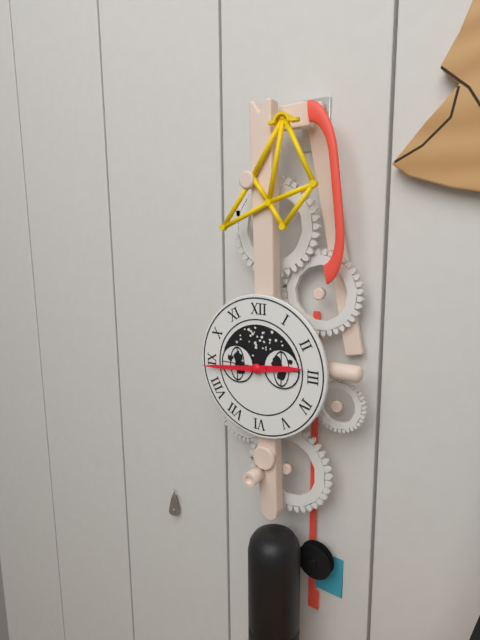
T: 2:44
